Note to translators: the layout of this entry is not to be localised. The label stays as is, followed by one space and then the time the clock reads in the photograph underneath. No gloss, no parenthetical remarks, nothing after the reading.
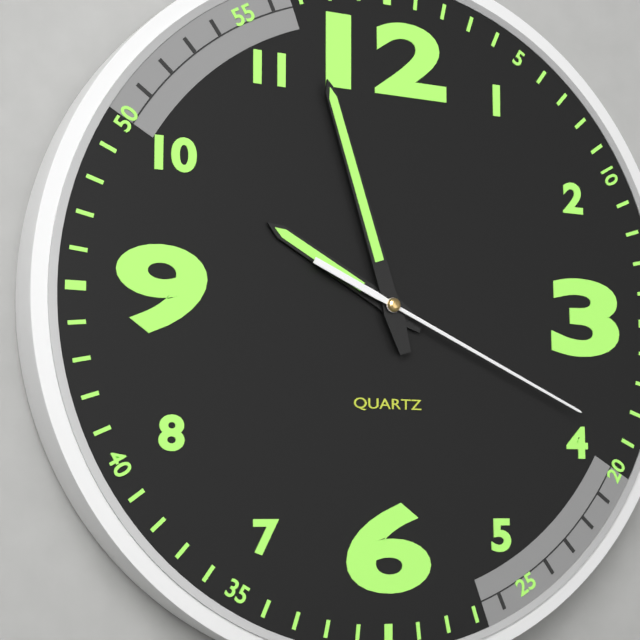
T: 9:57:19
